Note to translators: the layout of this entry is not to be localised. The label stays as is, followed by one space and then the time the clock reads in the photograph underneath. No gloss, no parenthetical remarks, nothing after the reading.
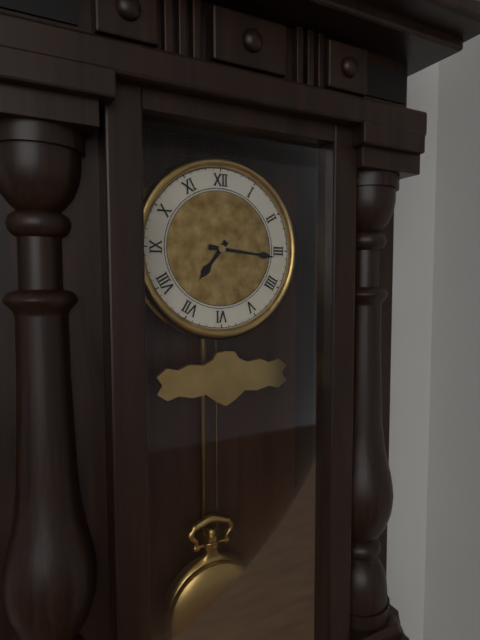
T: 7:16
